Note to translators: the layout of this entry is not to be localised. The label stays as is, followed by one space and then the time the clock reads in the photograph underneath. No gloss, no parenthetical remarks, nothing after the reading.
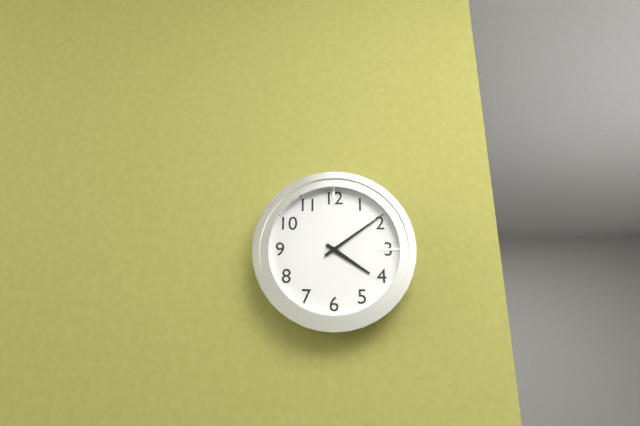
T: 4:09
